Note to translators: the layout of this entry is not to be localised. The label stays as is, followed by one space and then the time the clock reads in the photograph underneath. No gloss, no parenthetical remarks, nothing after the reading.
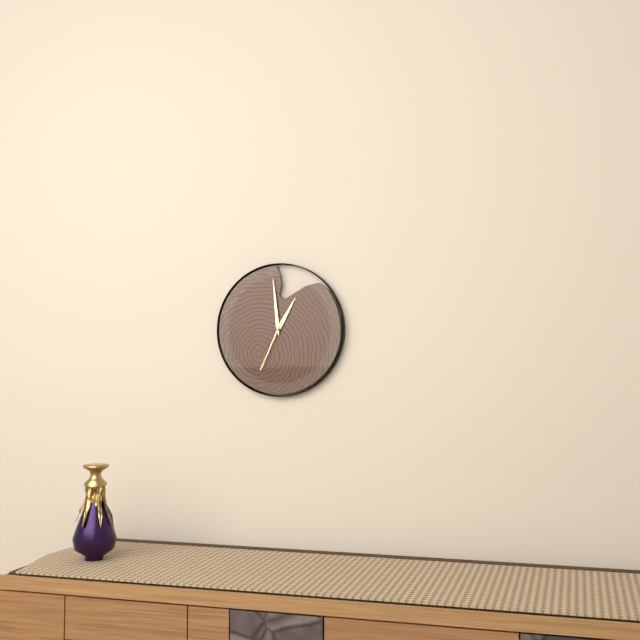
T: 12:59:34
